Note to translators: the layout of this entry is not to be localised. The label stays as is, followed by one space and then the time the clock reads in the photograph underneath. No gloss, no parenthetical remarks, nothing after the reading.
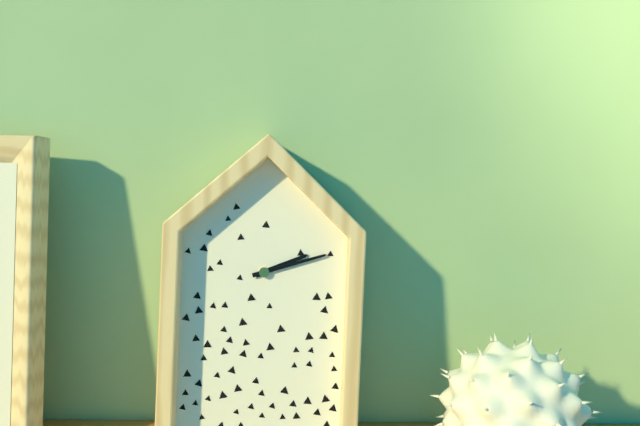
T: 2:12
